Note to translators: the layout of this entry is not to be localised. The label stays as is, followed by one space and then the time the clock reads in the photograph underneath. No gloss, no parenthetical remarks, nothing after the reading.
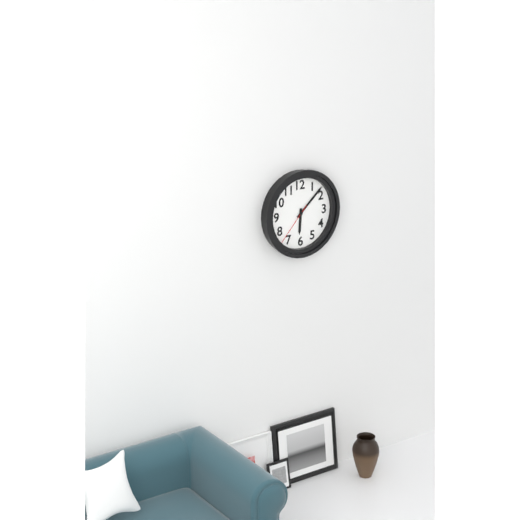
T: 6:08
